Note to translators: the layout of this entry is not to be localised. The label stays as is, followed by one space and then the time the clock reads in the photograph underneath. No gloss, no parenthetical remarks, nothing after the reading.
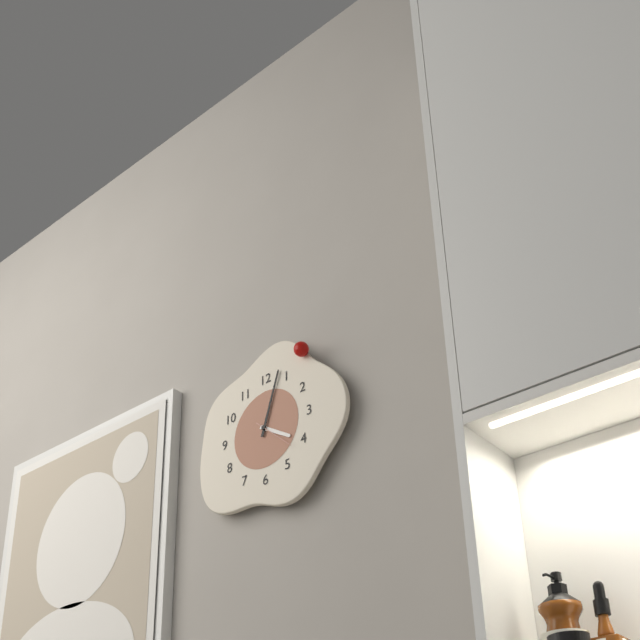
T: 4:03
